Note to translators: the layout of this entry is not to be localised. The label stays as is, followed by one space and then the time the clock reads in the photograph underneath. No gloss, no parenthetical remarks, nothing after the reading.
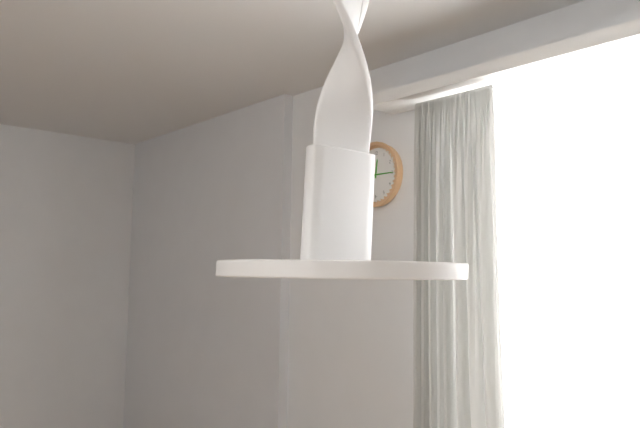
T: 12:15
